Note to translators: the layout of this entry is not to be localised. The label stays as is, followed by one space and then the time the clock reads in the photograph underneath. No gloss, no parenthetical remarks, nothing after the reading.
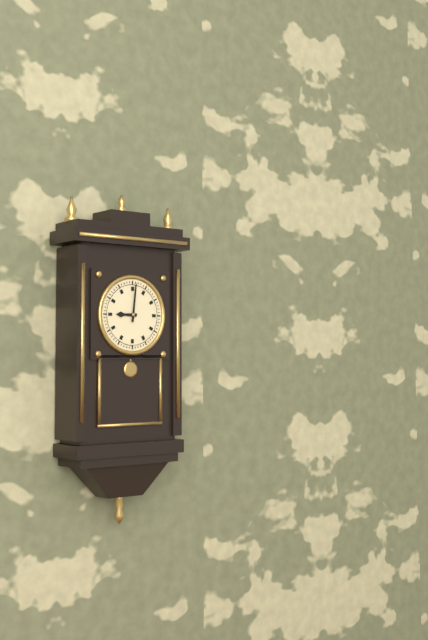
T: 9:01
